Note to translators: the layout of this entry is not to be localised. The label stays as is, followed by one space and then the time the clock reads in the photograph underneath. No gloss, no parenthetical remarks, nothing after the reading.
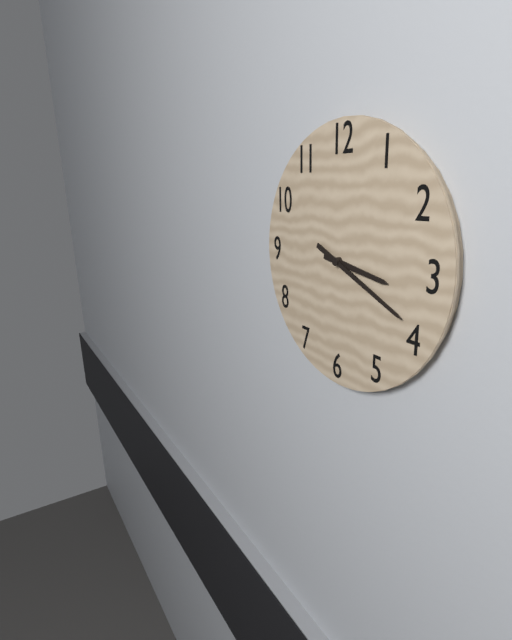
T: 3:19
